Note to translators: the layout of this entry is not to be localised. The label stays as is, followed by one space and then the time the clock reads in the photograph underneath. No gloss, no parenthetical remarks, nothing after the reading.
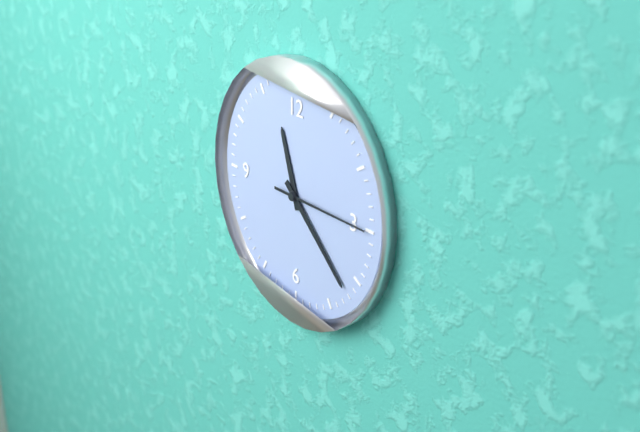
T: 11:22:15
